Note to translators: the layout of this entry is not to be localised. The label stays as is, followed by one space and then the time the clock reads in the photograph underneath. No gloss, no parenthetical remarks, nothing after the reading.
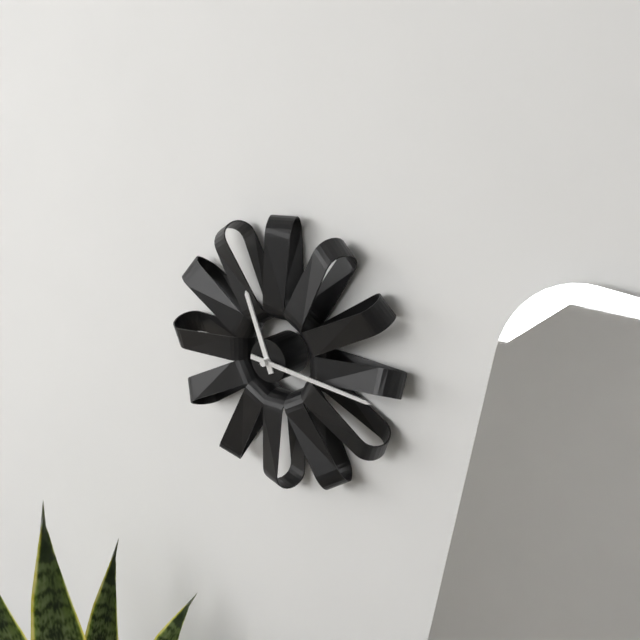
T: 11:16
